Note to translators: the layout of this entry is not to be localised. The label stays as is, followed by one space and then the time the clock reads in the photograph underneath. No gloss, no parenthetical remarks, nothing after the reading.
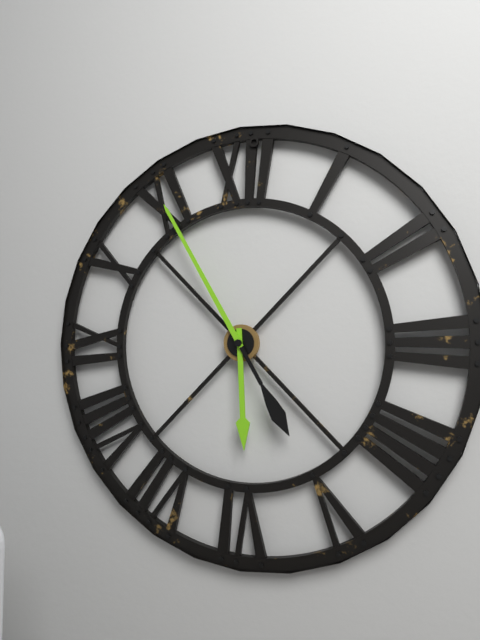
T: 5:55
